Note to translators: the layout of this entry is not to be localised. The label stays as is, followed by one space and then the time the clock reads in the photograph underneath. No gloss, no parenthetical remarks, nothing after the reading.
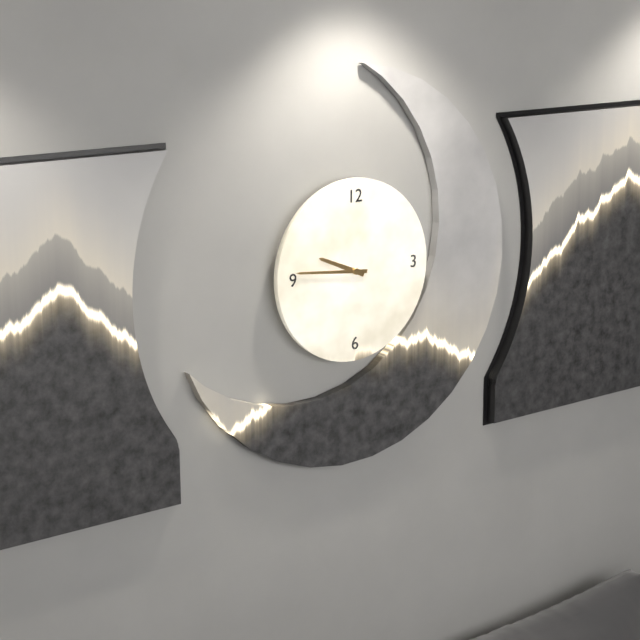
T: 9:46
